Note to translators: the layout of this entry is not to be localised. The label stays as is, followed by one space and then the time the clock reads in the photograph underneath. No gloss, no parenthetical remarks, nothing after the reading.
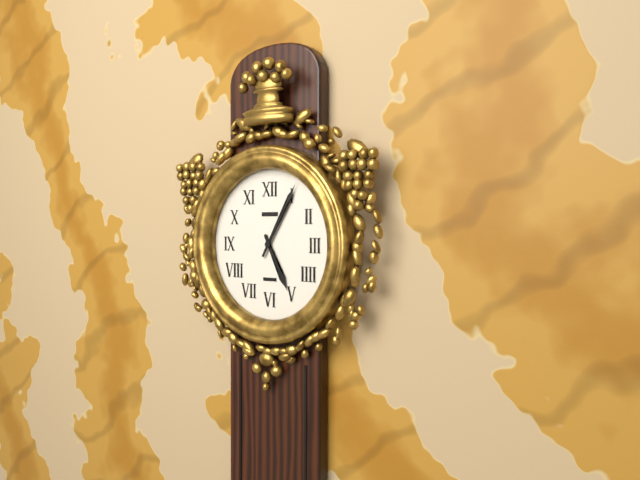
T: 5:05
